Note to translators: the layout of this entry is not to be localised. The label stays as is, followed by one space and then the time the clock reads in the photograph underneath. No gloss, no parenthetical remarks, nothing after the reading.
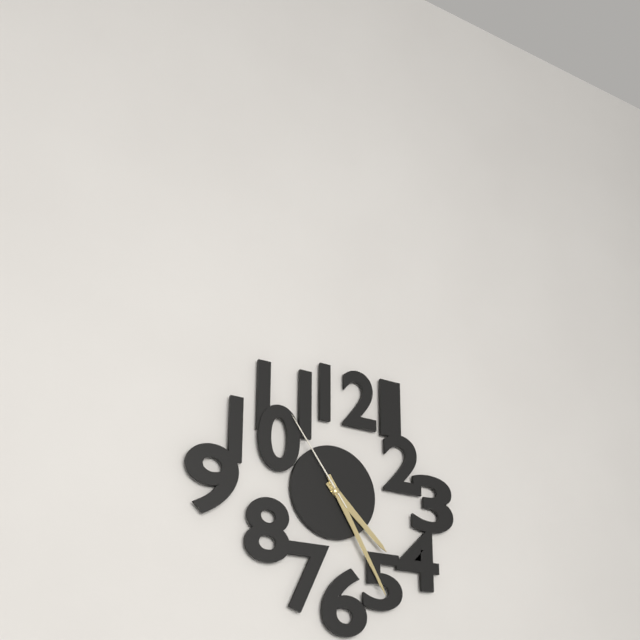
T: 4:25:54
